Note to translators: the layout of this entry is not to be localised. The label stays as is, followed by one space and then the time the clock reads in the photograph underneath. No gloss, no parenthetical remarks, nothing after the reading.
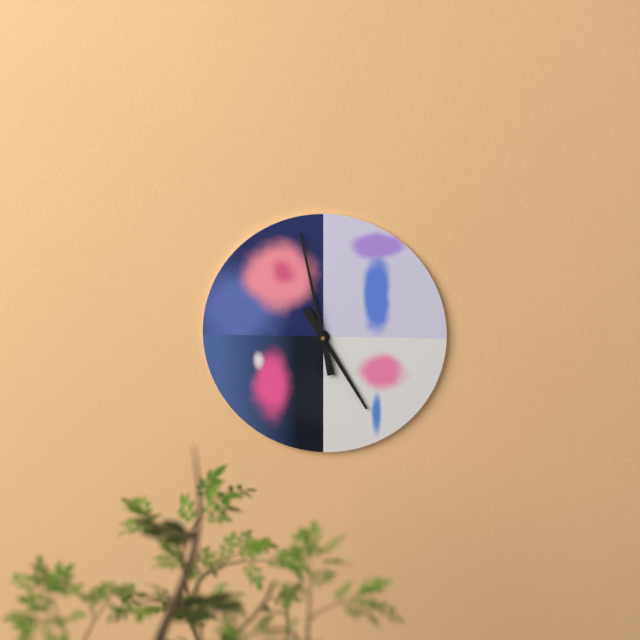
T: 4:58
